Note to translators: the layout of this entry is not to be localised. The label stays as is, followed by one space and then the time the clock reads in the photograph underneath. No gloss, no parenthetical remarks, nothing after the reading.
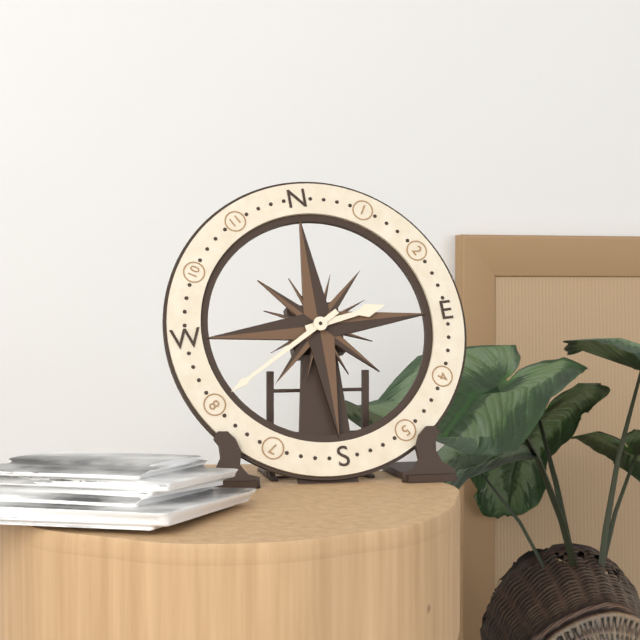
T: 2:40
